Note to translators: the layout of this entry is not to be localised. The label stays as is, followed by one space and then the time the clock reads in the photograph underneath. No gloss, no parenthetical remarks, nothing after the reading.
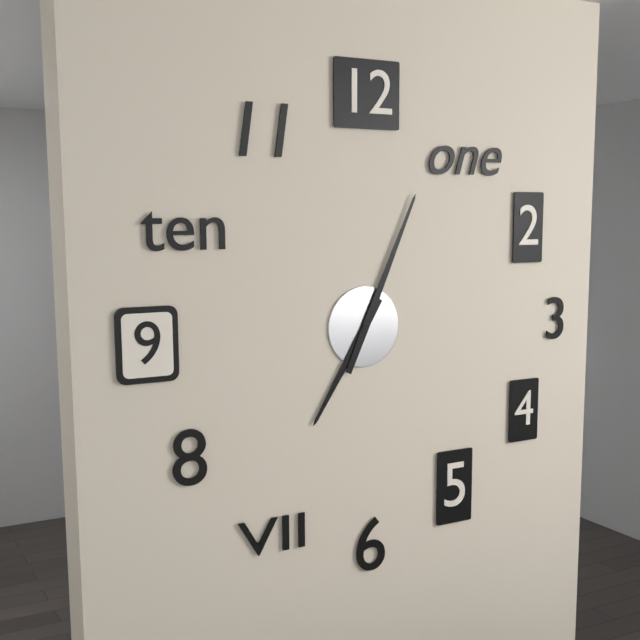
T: 7:04
